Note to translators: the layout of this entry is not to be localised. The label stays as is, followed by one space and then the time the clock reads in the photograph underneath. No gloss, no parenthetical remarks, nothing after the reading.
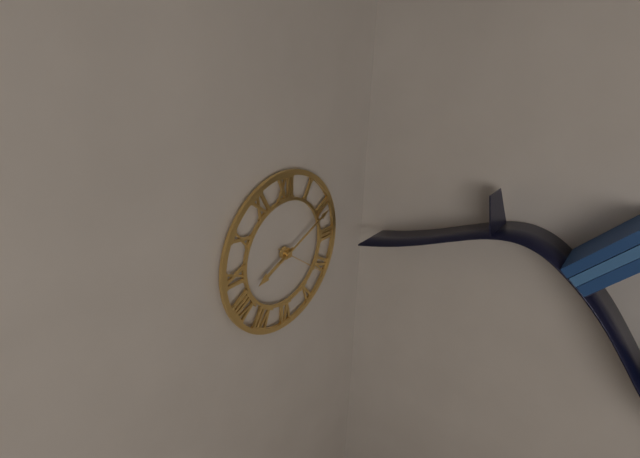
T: 8:11:21
